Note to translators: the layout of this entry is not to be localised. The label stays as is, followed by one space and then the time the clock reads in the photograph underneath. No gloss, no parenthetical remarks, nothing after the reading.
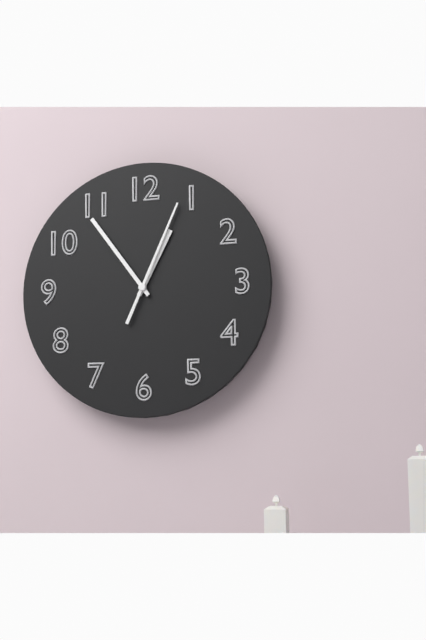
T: 12:54:04
